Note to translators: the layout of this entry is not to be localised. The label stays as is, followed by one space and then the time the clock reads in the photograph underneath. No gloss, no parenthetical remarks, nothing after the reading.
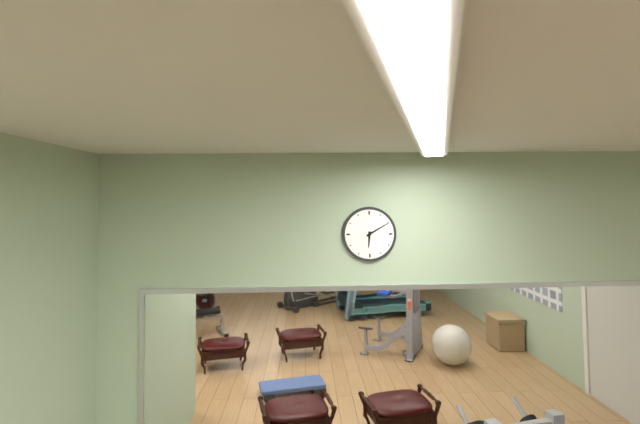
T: 6:10
